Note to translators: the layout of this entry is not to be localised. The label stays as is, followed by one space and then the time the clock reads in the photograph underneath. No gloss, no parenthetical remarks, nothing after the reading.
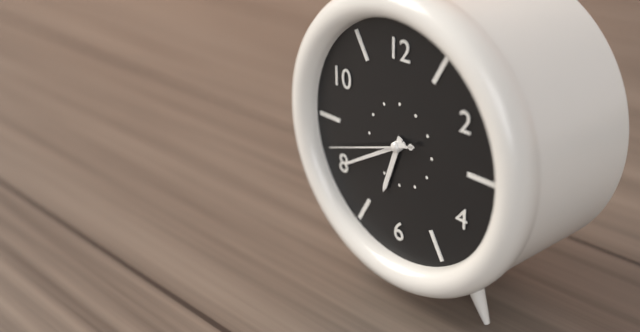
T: 6:40:42
